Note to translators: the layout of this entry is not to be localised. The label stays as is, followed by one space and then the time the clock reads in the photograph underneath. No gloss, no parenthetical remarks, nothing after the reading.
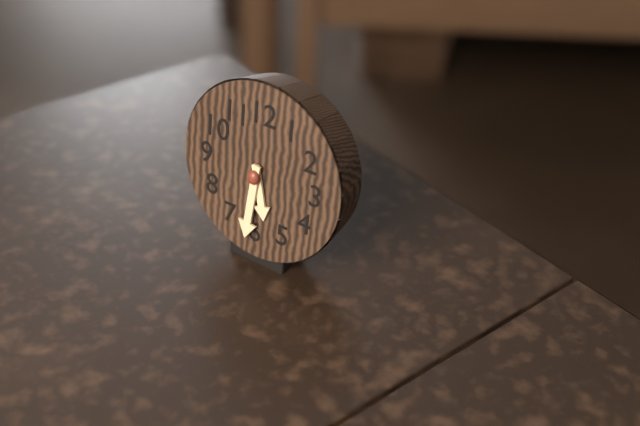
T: 5:31
